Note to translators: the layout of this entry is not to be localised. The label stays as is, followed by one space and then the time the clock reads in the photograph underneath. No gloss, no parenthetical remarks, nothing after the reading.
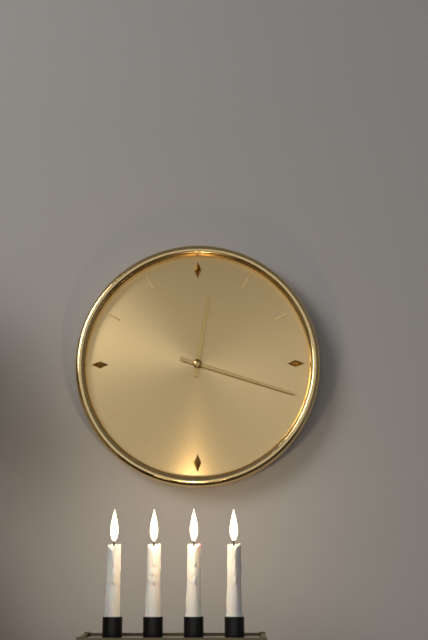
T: 12:18
